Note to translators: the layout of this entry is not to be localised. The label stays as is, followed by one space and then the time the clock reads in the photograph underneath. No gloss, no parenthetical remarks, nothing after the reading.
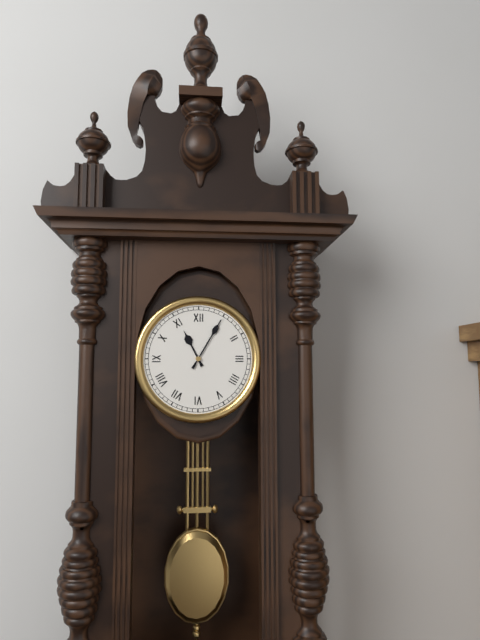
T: 11:05
